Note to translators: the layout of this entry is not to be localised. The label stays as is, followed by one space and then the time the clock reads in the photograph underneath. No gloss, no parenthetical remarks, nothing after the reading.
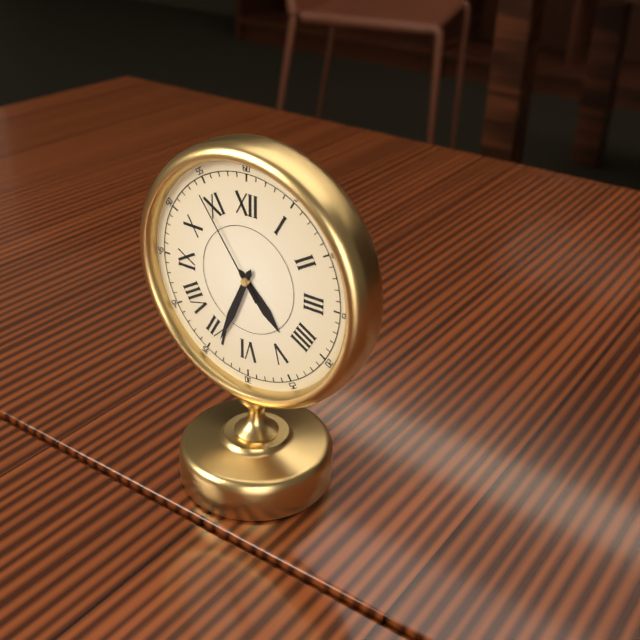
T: 4:34:54
